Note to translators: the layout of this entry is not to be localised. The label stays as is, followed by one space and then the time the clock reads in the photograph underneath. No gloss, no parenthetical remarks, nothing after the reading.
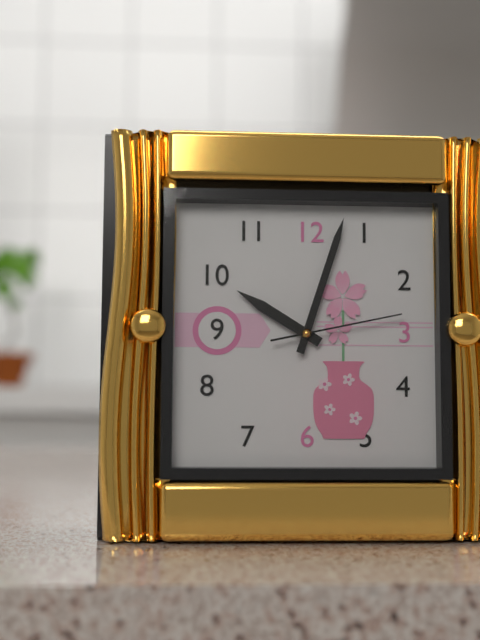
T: 10:03:13
